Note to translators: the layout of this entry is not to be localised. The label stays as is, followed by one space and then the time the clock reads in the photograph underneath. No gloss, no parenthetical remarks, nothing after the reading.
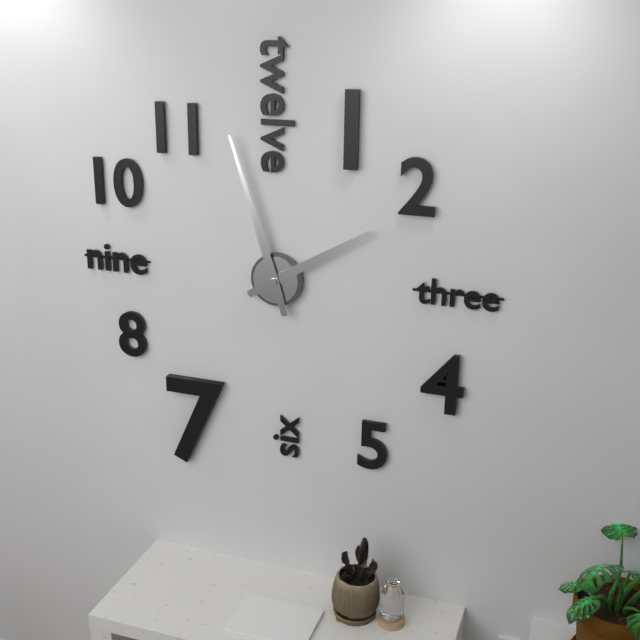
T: 1:57
